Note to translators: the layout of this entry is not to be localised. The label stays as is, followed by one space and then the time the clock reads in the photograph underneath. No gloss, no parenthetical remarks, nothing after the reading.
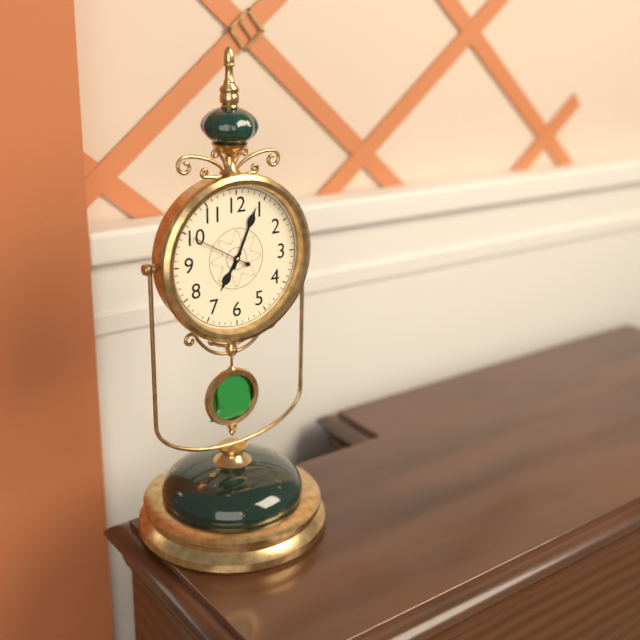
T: 7:04:50
